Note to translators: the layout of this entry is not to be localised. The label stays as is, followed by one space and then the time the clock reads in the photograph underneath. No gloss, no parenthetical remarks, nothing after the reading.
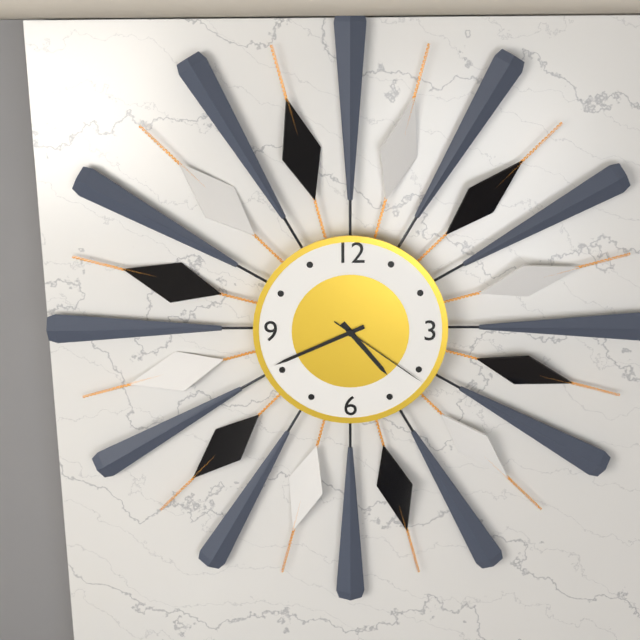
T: 4:41:21
